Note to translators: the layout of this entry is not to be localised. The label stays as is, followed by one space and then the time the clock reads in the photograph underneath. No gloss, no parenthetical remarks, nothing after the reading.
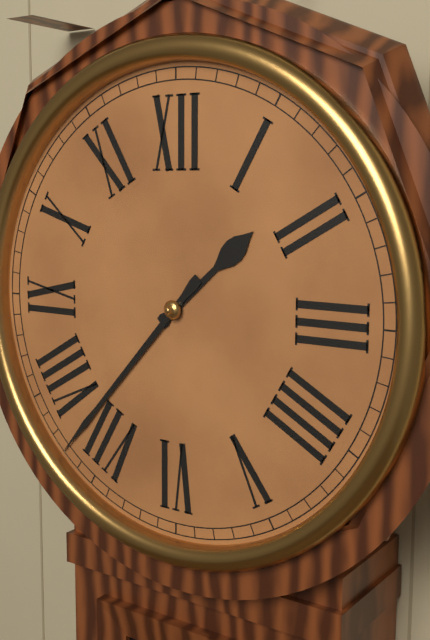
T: 1:37
